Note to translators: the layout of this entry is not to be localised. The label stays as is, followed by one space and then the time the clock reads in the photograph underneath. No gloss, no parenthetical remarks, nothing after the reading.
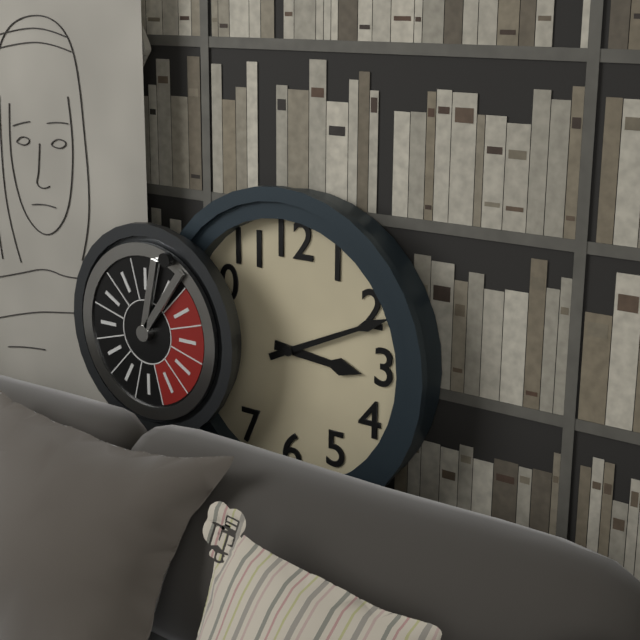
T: 3:11
